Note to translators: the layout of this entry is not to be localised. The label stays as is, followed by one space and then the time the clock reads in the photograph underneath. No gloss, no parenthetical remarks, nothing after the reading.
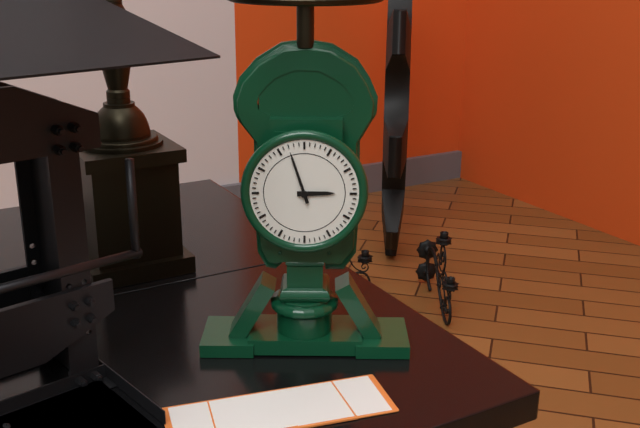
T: 2:57
